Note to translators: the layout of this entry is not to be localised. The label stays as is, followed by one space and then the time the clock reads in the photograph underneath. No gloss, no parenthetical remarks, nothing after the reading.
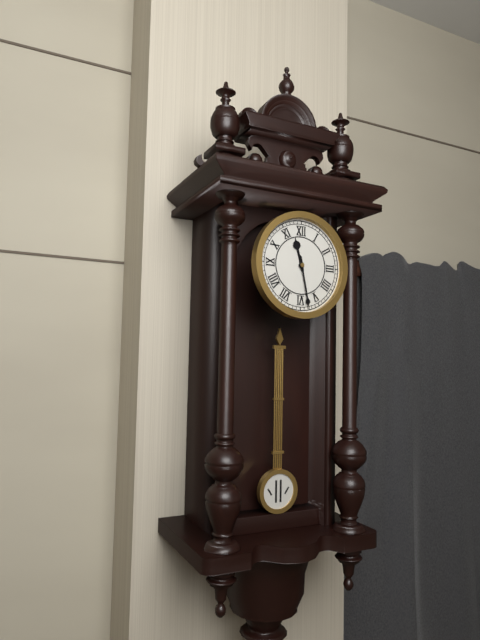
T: 11:28
